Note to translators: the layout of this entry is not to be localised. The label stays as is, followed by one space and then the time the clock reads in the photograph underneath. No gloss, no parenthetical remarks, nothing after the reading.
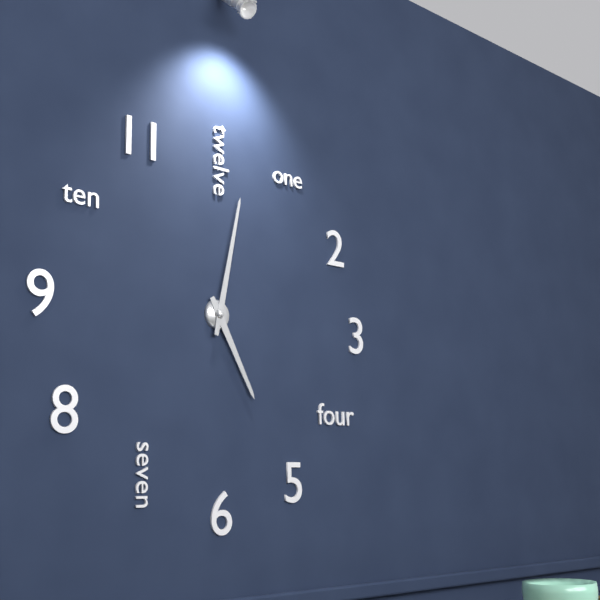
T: 5:02
